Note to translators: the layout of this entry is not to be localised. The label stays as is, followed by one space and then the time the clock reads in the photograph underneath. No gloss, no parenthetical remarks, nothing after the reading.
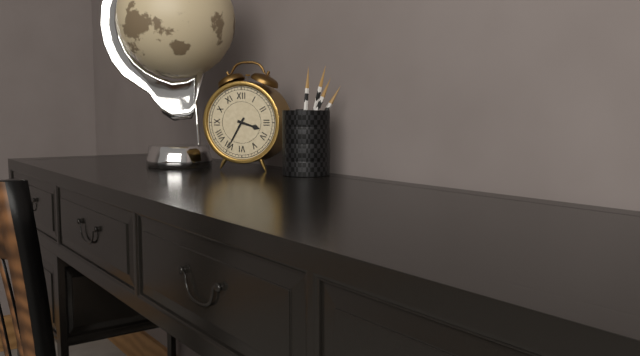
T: 3:35
